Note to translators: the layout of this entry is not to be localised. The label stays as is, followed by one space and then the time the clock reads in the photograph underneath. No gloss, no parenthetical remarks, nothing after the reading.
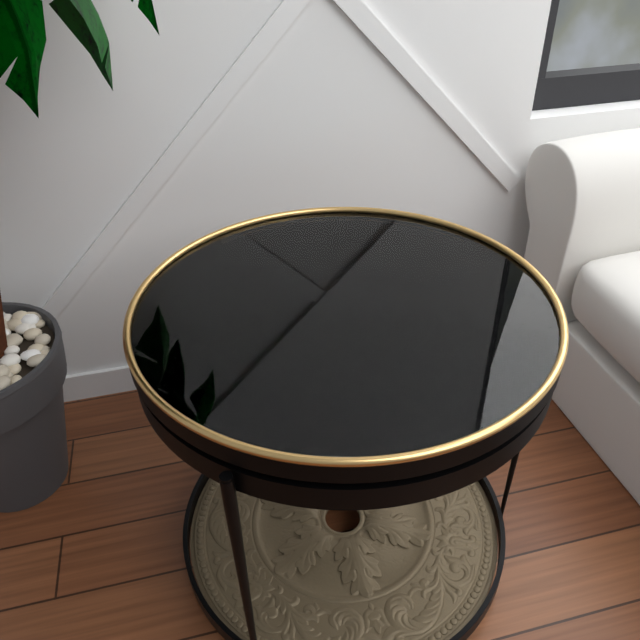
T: 11:32
